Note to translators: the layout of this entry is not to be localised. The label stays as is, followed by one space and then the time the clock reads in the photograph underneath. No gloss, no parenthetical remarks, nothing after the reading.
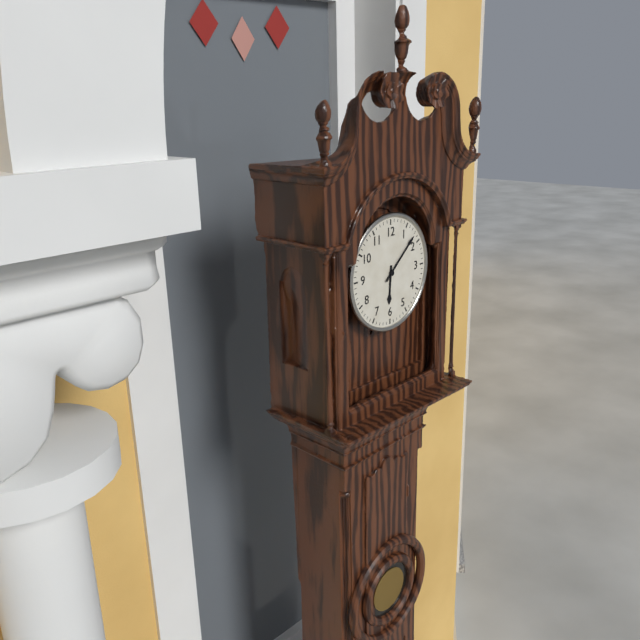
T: 6:08
